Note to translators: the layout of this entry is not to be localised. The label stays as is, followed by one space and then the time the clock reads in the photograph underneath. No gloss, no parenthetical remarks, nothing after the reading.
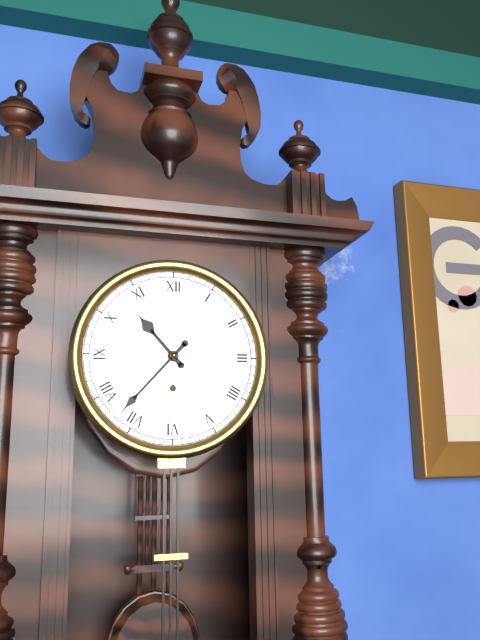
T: 10:37
